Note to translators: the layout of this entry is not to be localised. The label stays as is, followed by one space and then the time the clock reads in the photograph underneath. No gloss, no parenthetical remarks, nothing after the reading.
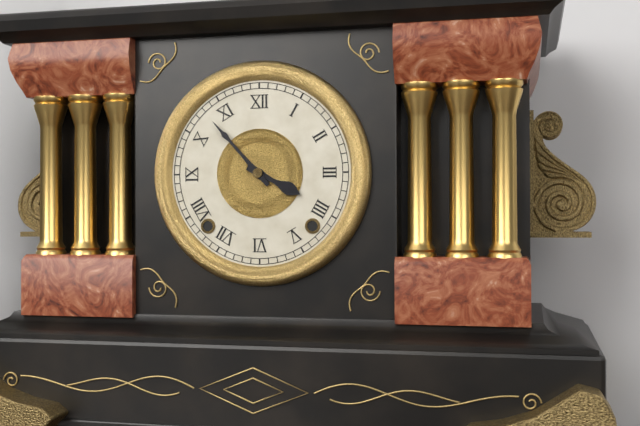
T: 3:53
